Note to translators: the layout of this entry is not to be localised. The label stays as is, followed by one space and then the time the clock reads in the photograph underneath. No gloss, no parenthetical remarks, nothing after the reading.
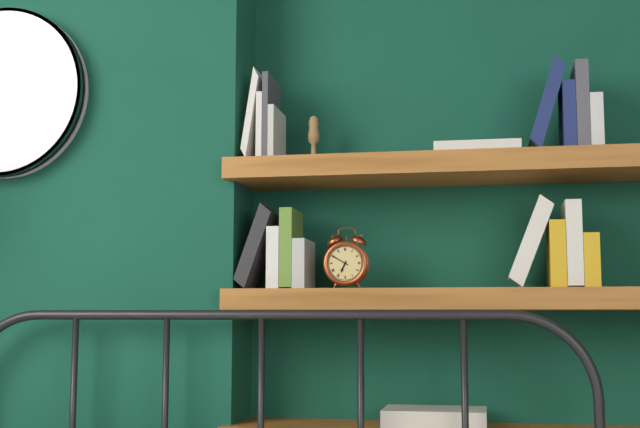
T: 6:50
